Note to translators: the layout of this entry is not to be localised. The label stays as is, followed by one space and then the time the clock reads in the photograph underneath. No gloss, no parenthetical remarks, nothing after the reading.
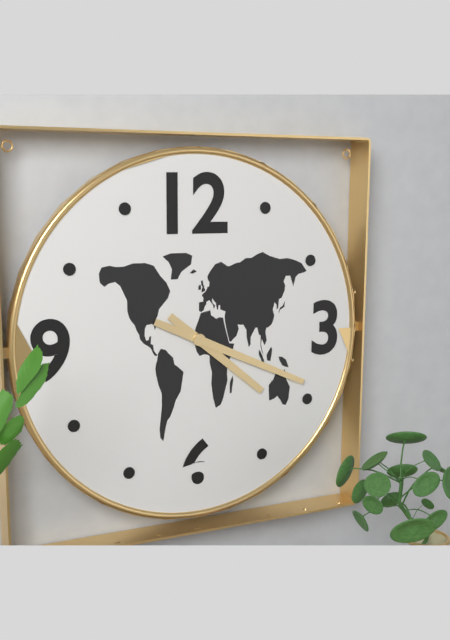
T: 4:19
